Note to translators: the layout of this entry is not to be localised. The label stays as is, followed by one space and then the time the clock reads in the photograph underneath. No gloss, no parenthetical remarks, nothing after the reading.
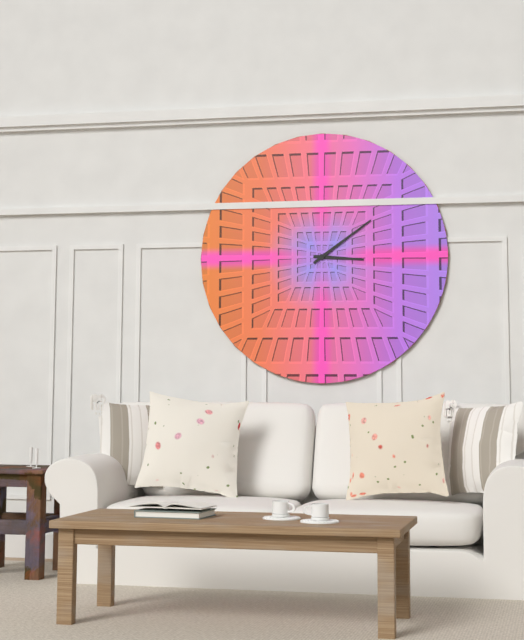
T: 3:09
